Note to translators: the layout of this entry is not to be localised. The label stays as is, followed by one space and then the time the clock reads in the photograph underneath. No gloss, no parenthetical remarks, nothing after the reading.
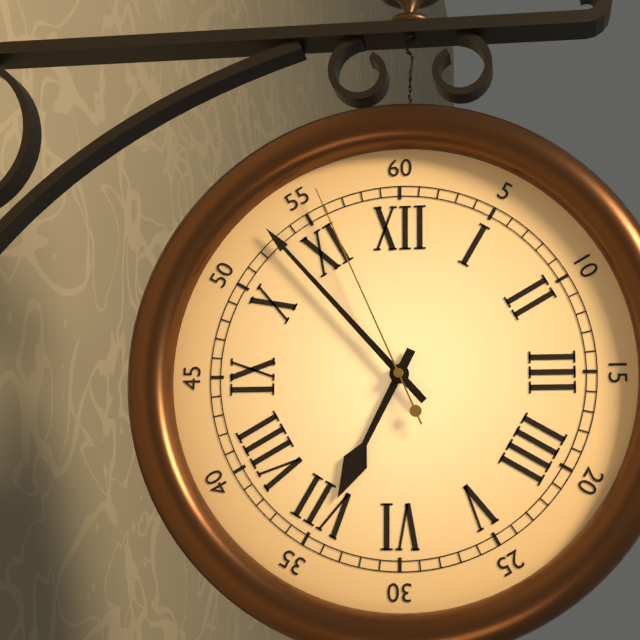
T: 6:53:56
